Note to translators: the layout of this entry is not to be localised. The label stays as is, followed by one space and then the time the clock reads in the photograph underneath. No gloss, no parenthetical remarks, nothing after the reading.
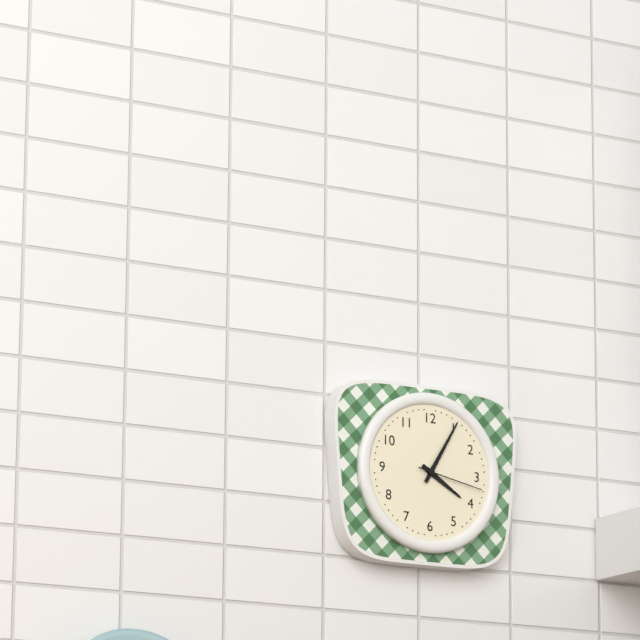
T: 4:05:17
